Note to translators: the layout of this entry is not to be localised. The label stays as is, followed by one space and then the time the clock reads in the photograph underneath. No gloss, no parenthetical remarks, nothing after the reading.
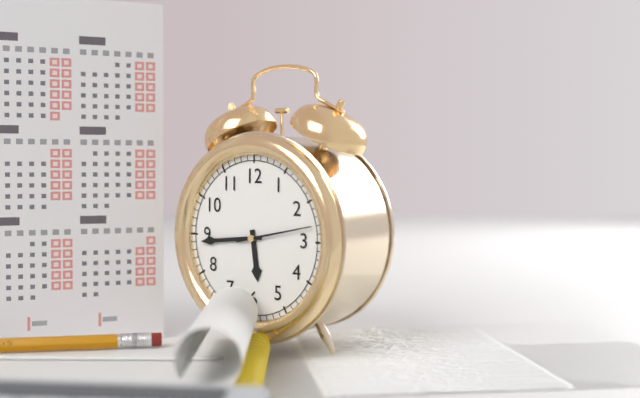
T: 5:44:13
